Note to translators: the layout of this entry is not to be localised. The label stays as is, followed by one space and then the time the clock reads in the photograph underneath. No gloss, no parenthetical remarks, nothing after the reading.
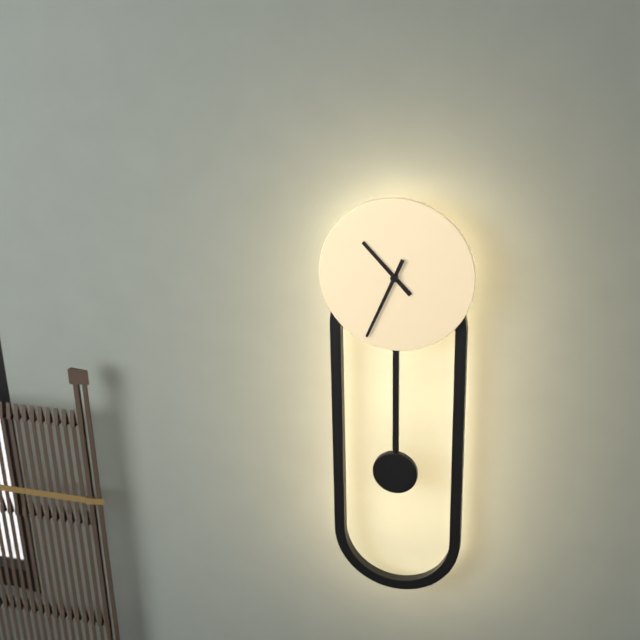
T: 10:34
